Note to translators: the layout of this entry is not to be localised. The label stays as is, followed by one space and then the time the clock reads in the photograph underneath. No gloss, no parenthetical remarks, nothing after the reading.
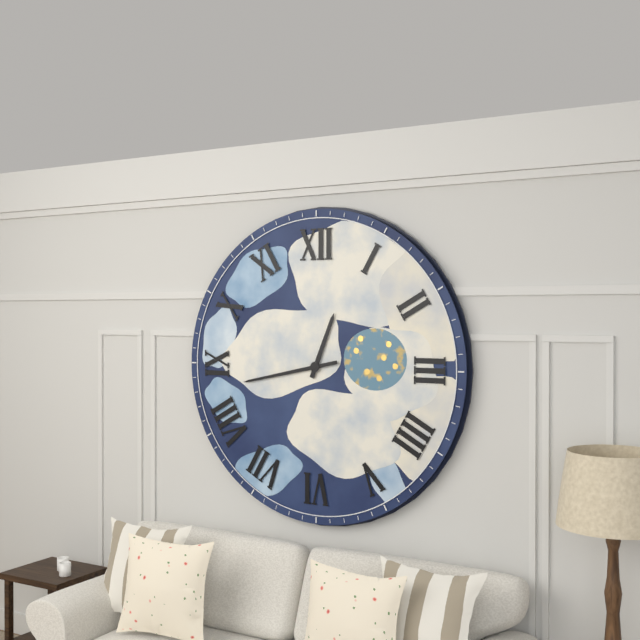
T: 12:43
